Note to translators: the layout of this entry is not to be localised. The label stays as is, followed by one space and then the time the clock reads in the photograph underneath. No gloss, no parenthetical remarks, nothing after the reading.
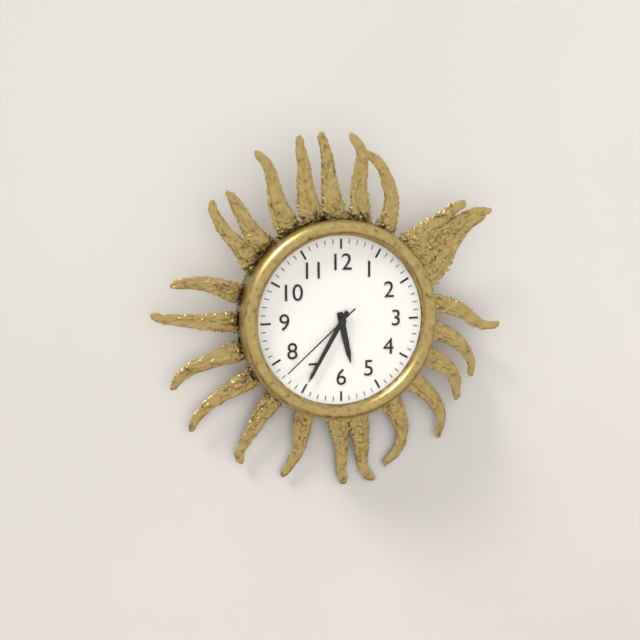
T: 5:35:38
